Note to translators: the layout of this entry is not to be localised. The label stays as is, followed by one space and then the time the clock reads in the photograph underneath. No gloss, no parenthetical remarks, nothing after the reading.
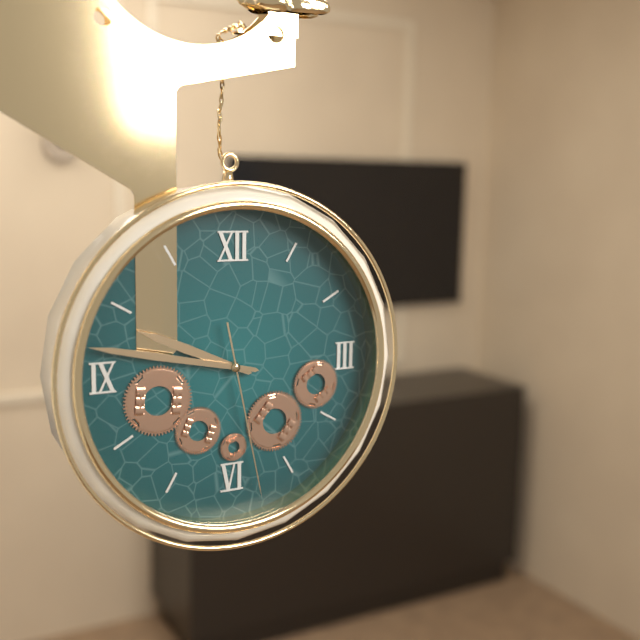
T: 9:47:28
